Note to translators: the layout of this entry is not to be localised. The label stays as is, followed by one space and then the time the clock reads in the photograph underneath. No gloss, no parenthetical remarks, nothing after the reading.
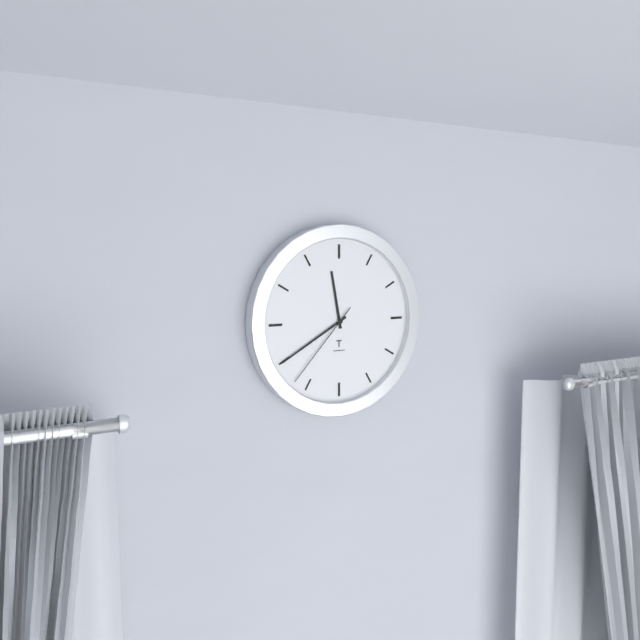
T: 11:40:37
